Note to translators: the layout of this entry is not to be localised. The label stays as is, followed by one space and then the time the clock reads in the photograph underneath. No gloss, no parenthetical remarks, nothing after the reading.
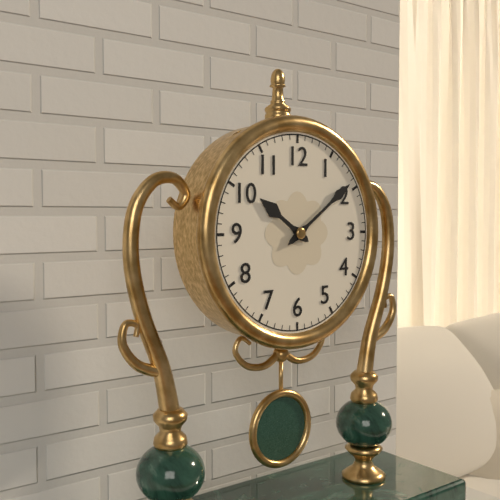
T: 10:09
